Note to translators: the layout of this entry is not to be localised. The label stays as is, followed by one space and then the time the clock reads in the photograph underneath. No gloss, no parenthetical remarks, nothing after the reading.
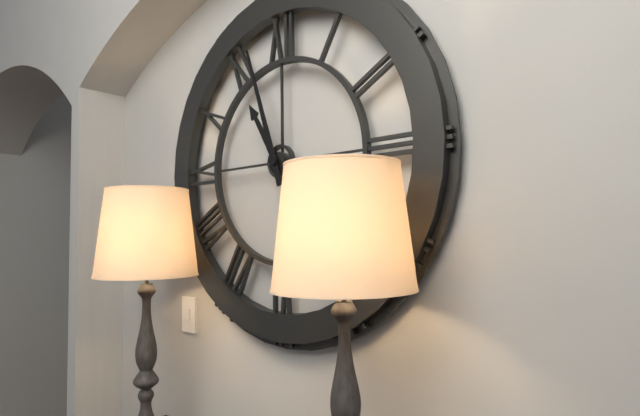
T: 10:57
